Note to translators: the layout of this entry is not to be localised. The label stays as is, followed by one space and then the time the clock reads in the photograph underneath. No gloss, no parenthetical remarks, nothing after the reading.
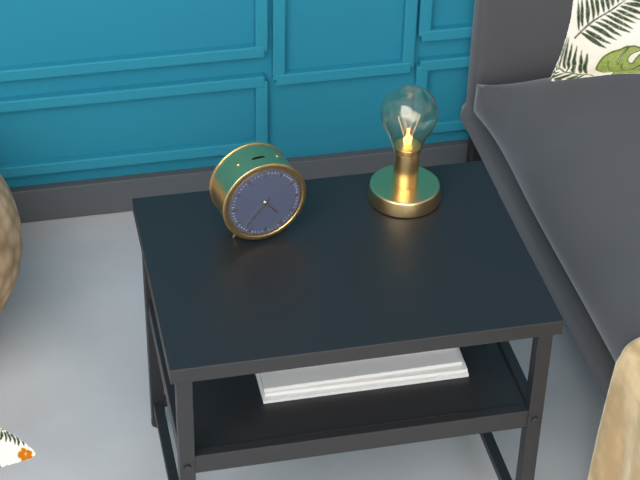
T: 4:37
